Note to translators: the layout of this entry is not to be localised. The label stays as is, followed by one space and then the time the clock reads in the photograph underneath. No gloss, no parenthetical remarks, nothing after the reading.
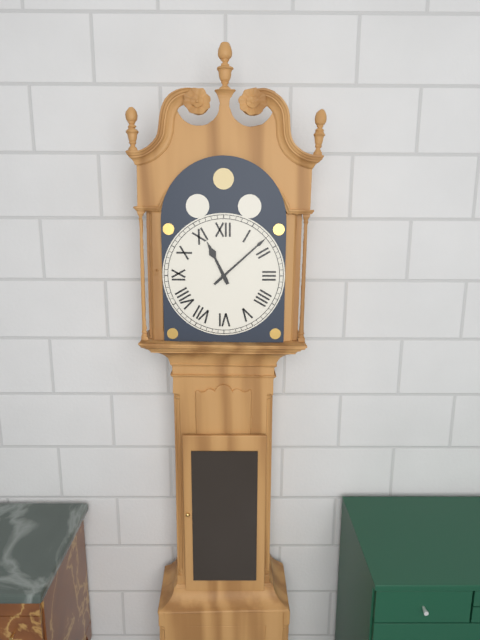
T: 11:08
